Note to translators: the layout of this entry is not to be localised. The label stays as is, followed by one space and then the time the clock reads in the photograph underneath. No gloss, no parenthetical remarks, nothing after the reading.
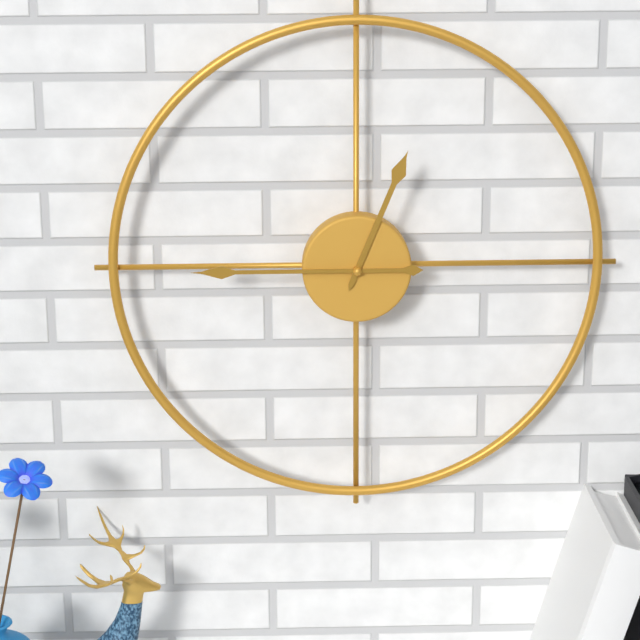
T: 12:45
